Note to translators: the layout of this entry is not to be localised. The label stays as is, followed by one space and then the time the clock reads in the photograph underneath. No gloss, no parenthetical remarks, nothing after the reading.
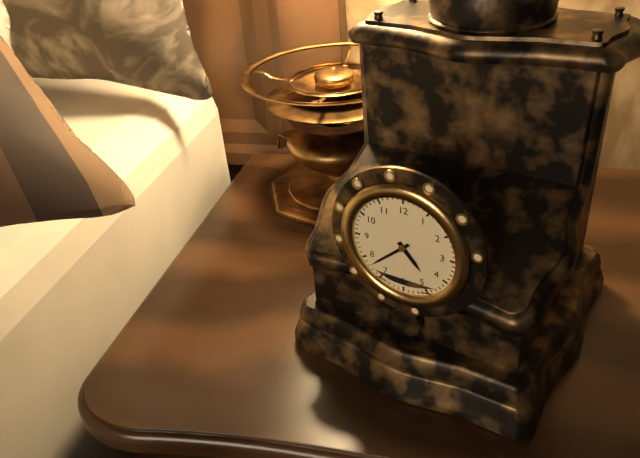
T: 4:38
